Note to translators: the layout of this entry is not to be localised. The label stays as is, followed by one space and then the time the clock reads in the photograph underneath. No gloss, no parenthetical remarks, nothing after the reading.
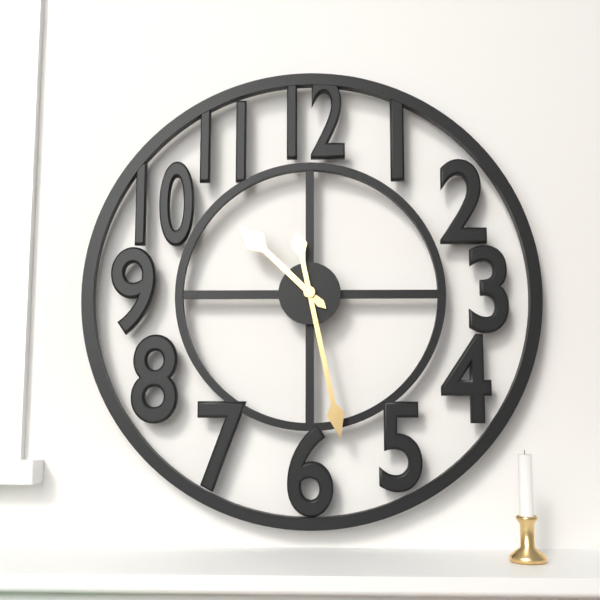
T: 10:28
